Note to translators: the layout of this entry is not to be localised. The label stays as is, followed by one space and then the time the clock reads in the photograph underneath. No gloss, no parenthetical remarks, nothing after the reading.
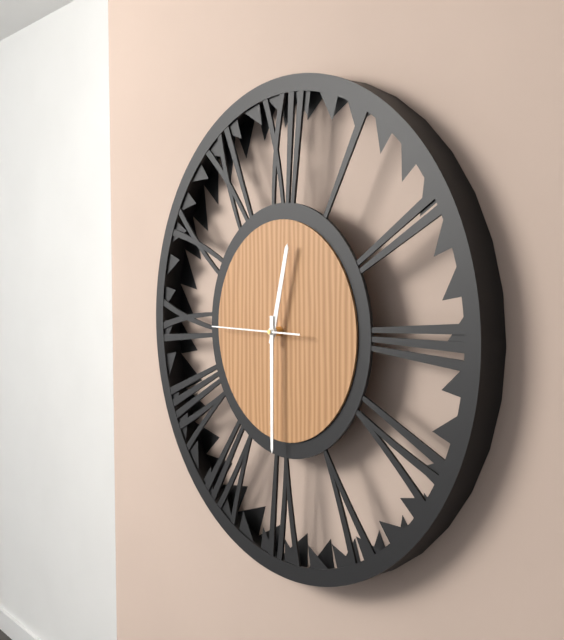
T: 12:30:45
